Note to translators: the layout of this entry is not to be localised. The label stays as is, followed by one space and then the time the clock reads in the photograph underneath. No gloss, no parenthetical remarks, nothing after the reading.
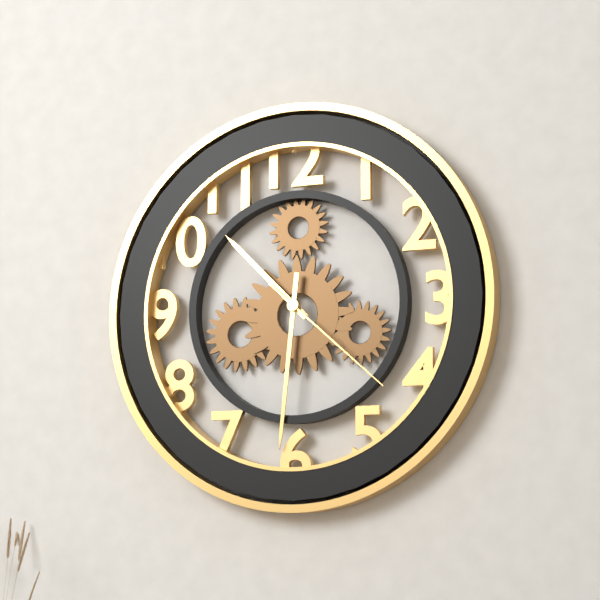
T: 10:31:22
